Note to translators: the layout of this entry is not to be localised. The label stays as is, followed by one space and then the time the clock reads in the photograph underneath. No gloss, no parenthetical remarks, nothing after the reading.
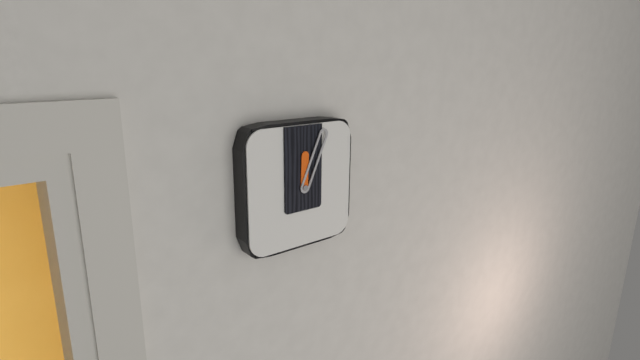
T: 12:04
